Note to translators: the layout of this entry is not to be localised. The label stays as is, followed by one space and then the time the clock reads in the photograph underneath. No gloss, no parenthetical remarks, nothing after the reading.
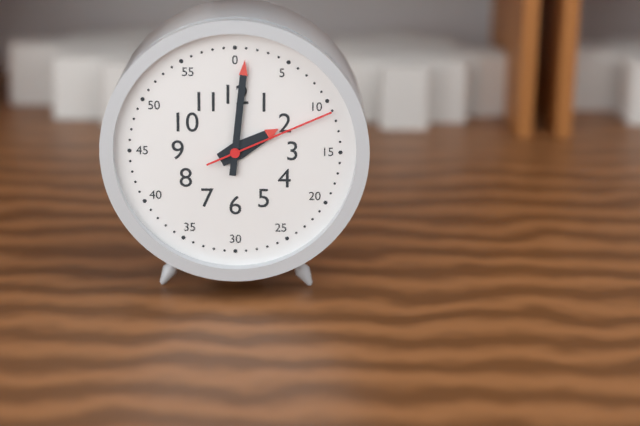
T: 2:01:11
